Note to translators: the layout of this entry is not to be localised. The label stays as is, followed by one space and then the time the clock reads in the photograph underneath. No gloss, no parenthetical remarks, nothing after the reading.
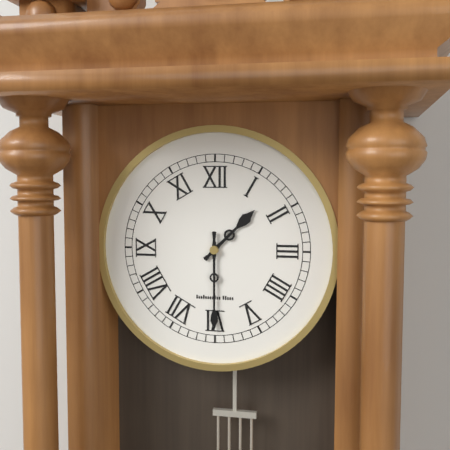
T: 1:30
